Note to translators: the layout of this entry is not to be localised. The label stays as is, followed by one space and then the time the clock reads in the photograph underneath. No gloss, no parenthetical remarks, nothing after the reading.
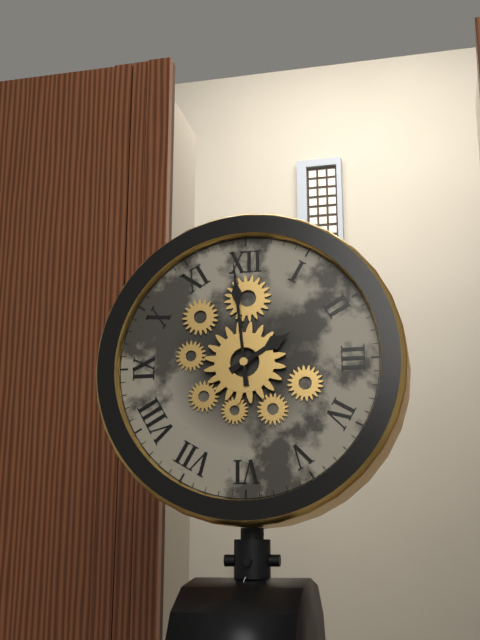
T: 1:59
